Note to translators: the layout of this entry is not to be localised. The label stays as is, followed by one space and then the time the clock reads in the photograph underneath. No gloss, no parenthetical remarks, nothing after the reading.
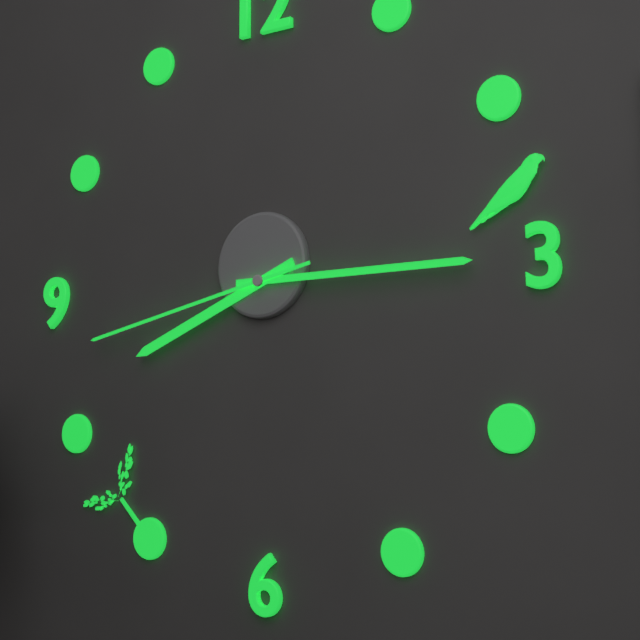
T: 8:15:43
